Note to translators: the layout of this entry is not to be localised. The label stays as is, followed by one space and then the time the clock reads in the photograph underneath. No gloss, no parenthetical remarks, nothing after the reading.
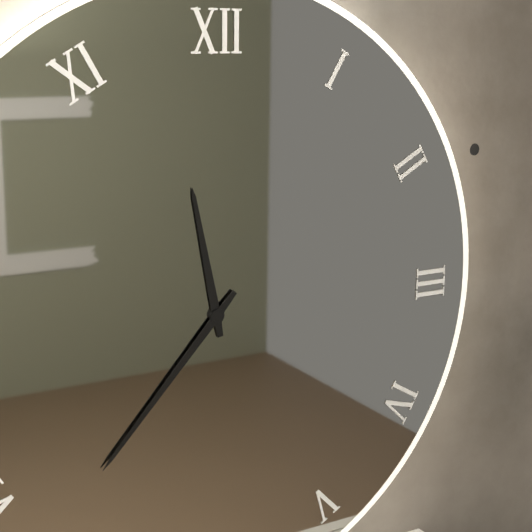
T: 11:37
